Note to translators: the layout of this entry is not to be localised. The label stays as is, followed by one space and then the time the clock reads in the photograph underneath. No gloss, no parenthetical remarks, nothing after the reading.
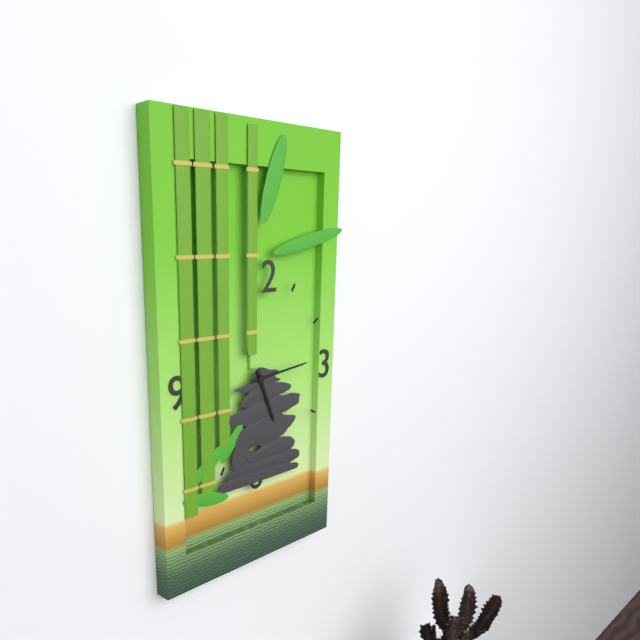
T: 5:14
